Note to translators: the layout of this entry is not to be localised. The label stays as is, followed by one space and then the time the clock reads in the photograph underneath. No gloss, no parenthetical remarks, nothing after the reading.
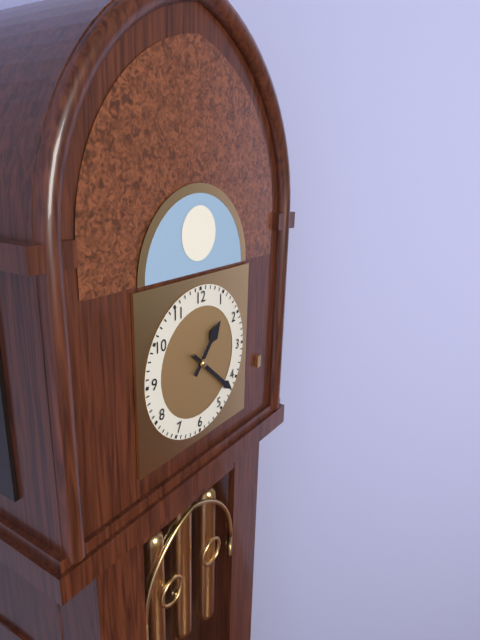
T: 1:22
